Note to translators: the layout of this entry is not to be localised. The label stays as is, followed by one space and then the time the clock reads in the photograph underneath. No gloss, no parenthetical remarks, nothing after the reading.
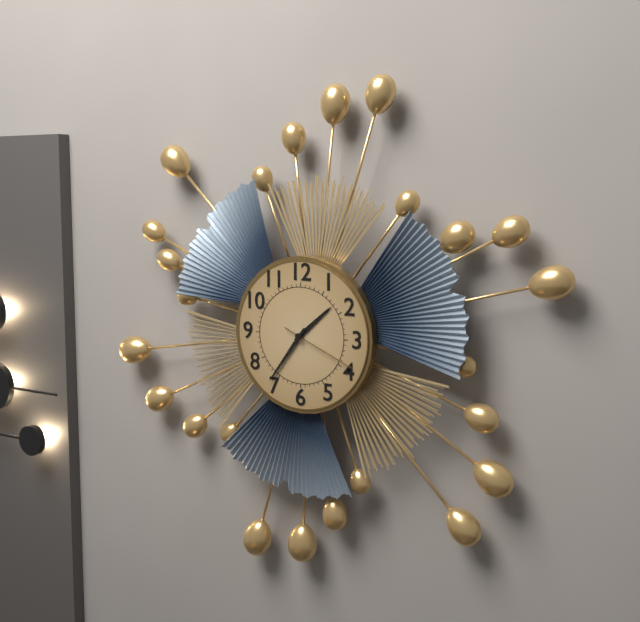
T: 1:36:19
